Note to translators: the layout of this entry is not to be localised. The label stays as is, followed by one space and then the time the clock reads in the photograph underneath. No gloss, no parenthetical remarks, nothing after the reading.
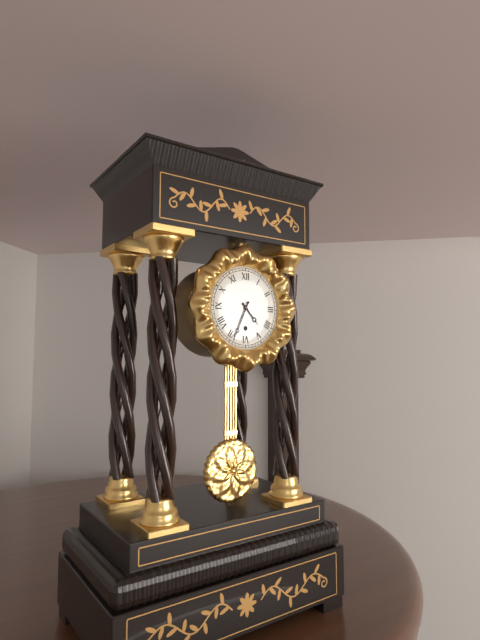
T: 4:34
